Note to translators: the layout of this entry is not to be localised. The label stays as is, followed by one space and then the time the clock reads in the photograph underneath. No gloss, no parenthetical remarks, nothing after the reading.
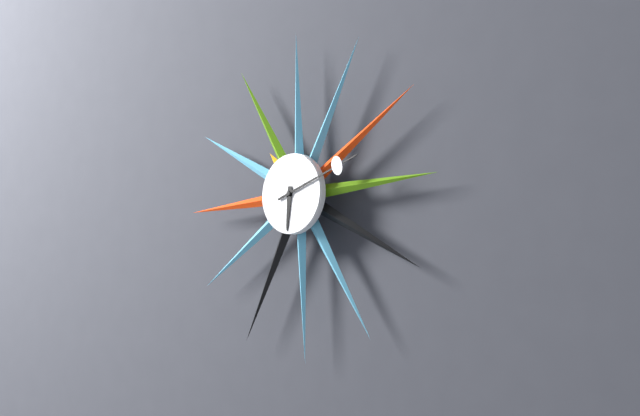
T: 6:12
